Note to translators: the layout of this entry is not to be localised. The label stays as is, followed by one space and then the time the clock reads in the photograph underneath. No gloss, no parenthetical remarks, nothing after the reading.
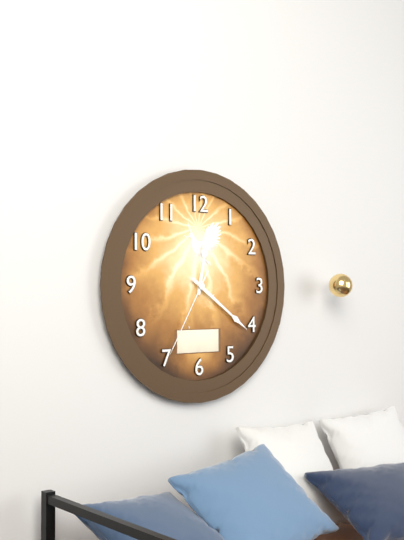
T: 12:21:35
